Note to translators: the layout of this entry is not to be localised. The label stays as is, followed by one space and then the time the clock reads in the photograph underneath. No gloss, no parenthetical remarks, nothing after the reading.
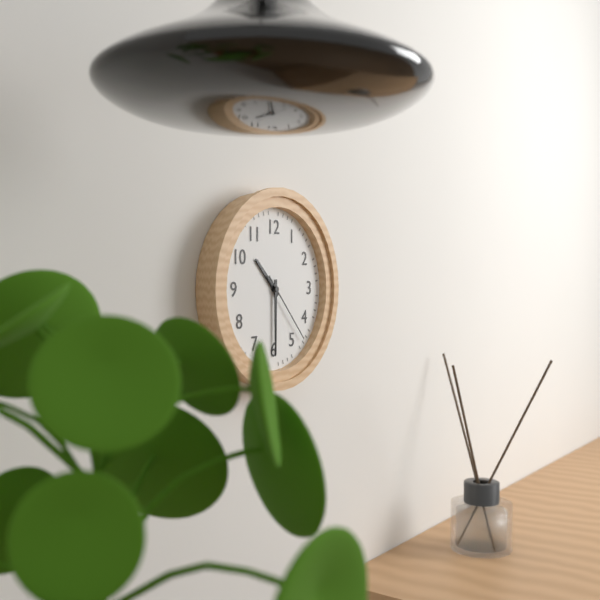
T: 10:30:23
